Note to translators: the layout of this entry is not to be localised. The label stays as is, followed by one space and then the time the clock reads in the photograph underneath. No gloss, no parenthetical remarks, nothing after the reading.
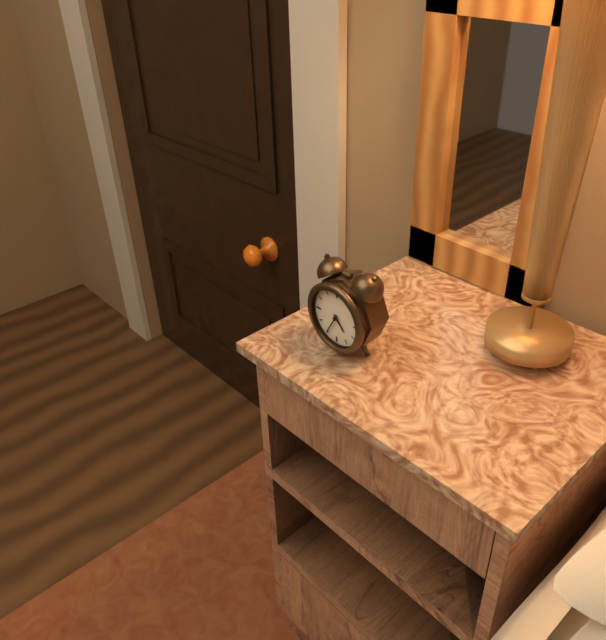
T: 4:35
